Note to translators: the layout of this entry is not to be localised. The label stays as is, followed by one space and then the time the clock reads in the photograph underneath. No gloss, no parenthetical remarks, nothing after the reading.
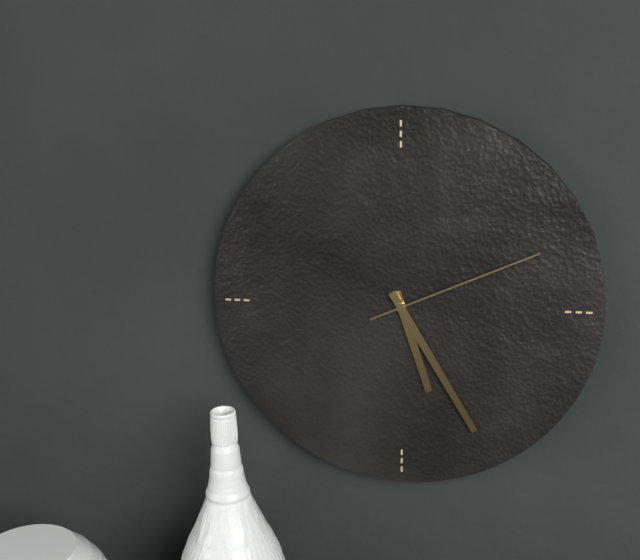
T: 5:25:11
